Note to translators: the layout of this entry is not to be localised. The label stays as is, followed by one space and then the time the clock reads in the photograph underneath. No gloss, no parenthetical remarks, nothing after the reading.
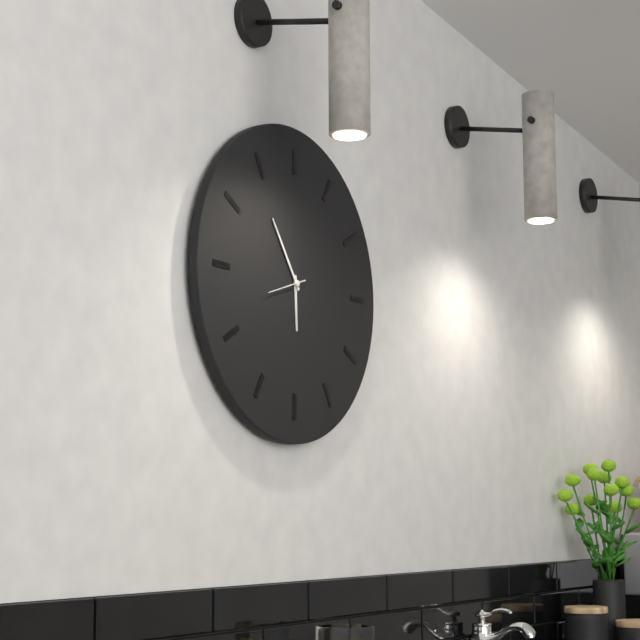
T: 5:54
